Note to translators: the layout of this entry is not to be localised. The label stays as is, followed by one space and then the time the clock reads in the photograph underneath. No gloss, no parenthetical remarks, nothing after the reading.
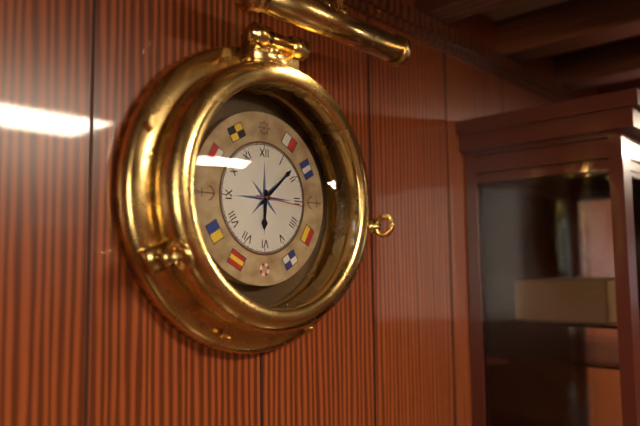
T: 6:08:16
